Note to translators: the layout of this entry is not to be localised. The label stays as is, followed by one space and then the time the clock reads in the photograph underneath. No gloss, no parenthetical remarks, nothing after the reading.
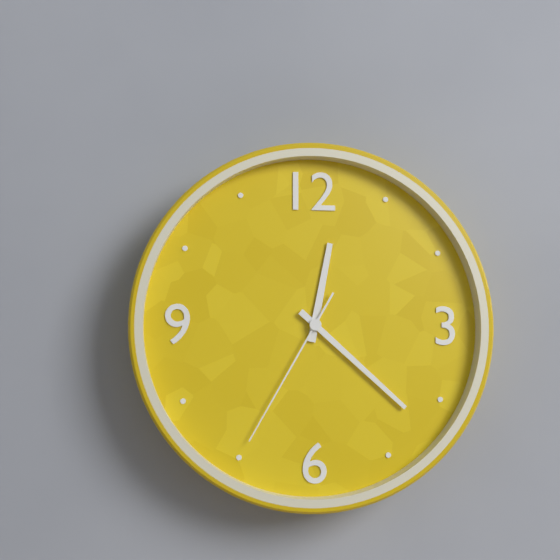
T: 12:22:35
